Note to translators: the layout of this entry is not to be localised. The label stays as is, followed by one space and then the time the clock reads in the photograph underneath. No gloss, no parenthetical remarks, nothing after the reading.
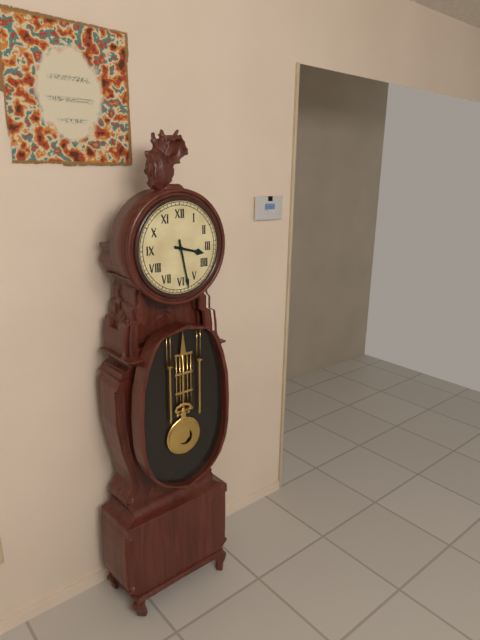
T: 3:28
